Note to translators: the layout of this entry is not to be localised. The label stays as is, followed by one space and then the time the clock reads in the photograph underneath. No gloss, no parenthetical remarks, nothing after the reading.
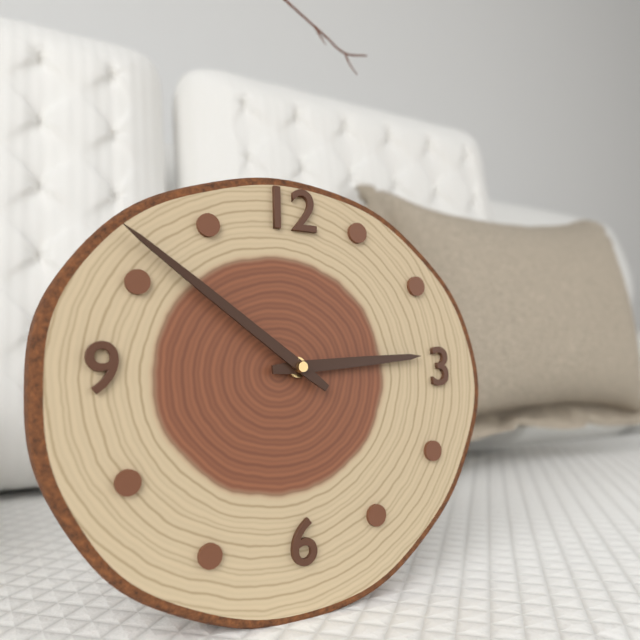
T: 2:51
